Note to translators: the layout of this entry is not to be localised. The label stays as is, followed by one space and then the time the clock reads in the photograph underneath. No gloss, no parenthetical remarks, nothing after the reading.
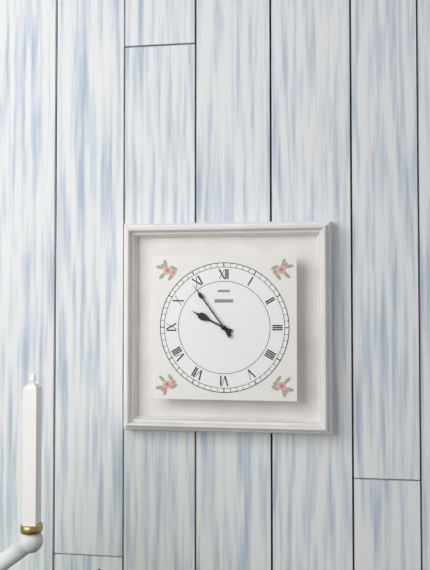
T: 9:54
